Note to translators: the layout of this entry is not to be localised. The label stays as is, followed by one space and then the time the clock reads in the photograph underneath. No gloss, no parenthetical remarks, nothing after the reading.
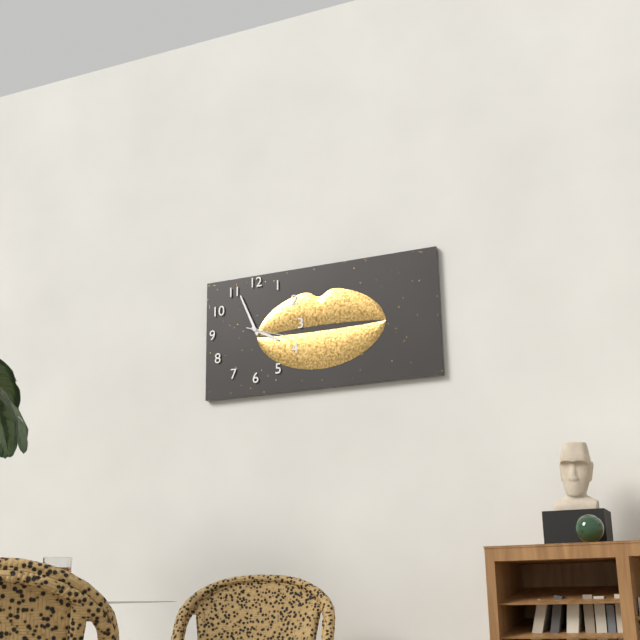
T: 3:56
